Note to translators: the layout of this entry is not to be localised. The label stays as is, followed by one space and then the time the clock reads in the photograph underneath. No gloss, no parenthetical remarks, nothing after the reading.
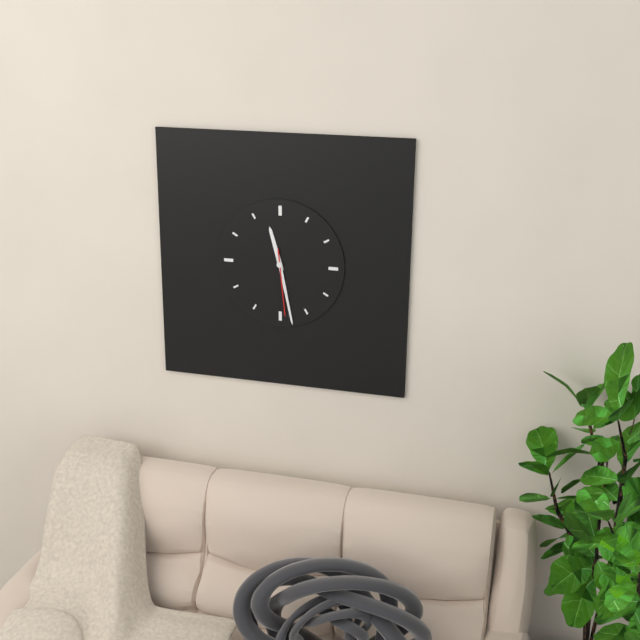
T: 11:28:29
